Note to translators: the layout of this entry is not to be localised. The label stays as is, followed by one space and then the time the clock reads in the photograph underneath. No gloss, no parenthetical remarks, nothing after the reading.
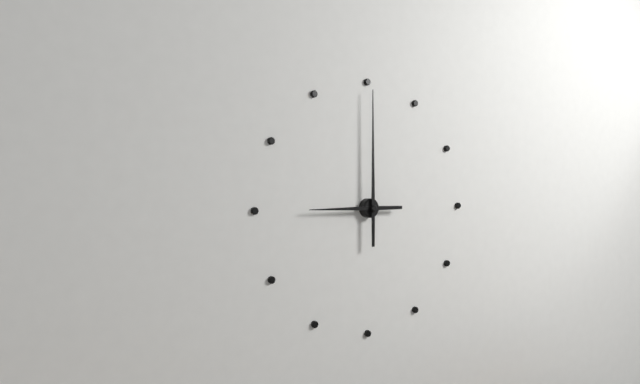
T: 9:00
